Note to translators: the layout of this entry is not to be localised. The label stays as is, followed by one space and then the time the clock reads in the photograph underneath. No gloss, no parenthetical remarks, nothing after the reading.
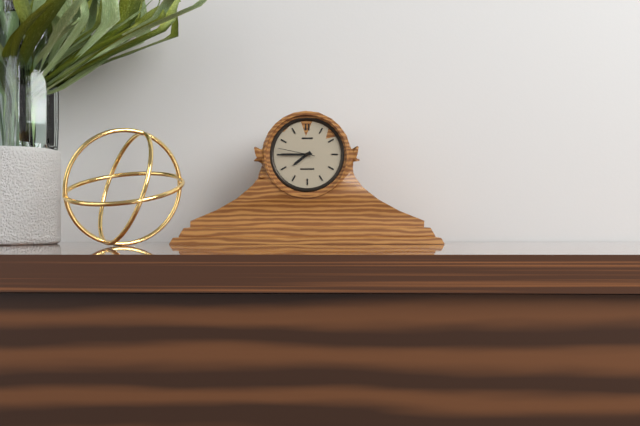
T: 7:45
